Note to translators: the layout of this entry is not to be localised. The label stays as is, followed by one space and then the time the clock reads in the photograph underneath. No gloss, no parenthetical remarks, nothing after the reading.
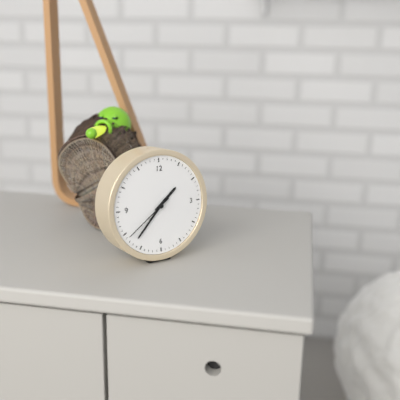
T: 1:37:39
